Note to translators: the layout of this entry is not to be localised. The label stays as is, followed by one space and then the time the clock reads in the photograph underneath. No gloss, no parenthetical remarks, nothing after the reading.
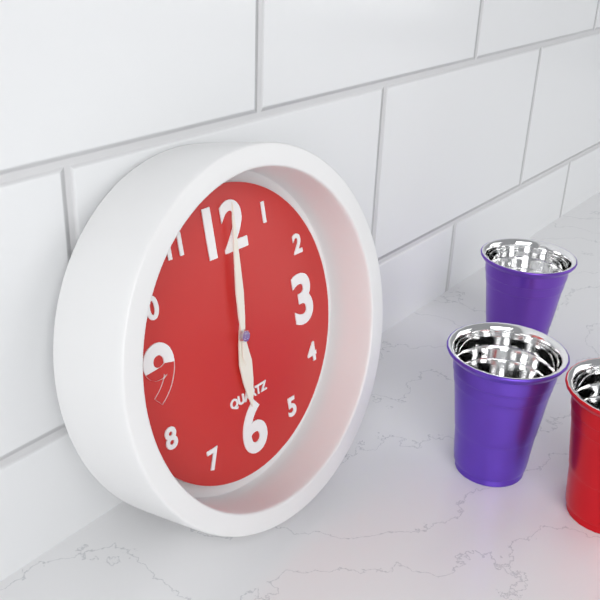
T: 6:01
